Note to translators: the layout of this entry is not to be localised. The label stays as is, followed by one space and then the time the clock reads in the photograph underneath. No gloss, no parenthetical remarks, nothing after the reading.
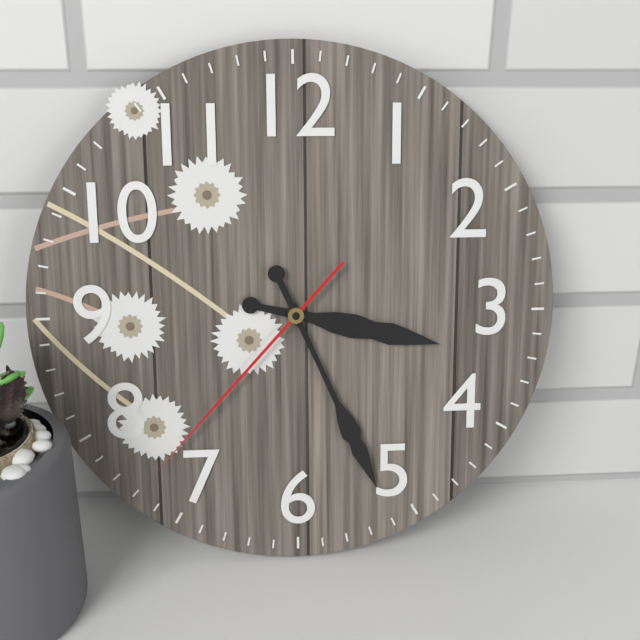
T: 3:26:37
